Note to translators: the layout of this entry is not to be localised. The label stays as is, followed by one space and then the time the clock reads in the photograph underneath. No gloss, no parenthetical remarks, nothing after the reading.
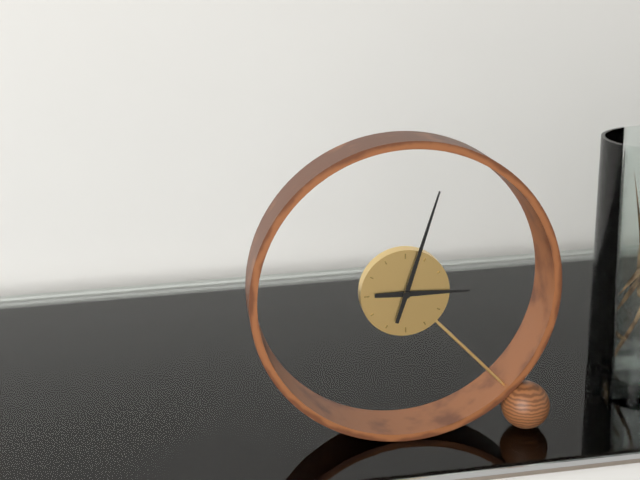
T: 3:03
